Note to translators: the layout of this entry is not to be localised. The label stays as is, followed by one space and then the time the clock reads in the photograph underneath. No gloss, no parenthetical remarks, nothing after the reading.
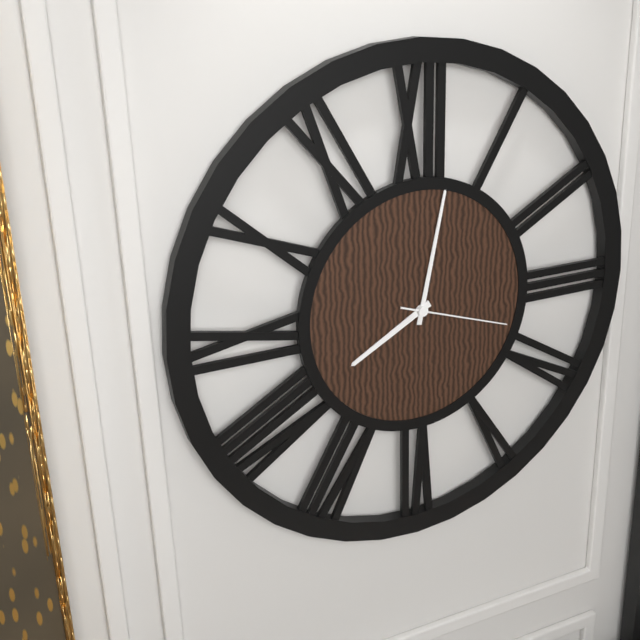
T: 8:02:18
